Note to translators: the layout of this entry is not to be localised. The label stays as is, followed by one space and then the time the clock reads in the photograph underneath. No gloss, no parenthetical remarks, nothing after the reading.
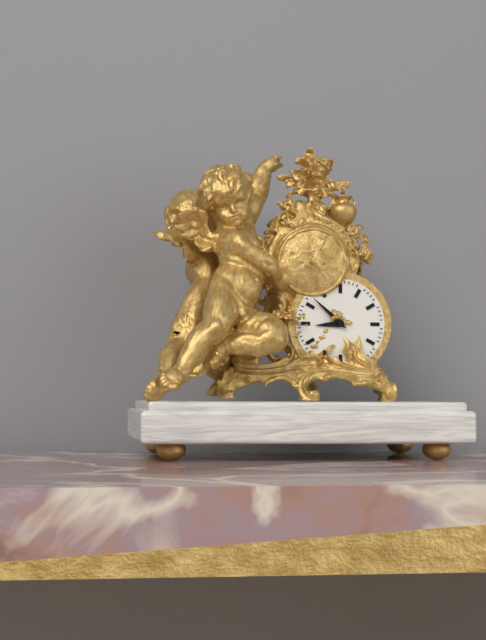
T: 8:52
